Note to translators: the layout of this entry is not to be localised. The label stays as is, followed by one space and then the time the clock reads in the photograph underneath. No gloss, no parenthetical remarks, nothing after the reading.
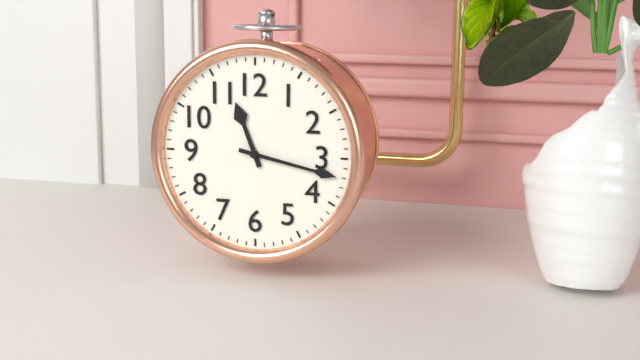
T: 11:17
